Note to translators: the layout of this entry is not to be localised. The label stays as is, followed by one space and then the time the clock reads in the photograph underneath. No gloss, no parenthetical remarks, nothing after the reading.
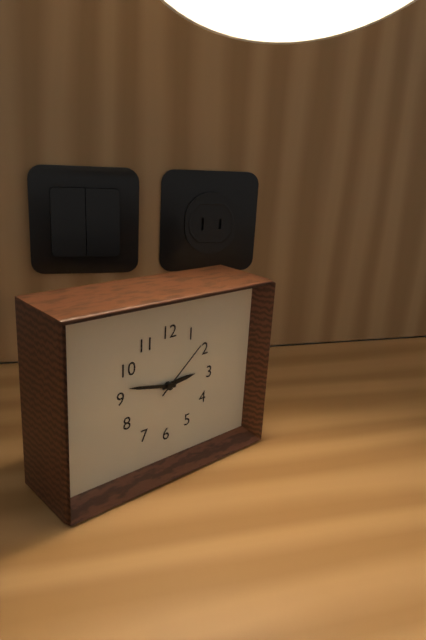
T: 2:47:08
